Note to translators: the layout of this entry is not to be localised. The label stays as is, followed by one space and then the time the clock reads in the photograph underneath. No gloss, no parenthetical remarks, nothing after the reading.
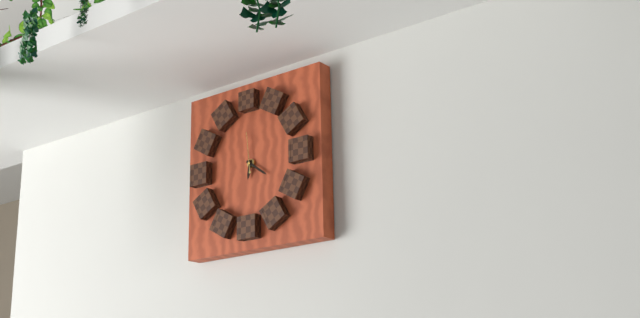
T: 6:21
